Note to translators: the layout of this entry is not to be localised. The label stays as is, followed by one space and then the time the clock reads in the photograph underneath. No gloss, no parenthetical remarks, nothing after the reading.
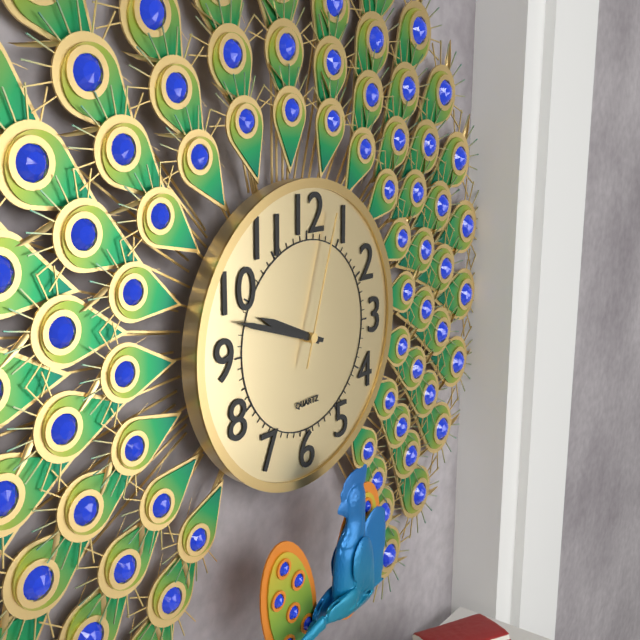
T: 9:48:03
